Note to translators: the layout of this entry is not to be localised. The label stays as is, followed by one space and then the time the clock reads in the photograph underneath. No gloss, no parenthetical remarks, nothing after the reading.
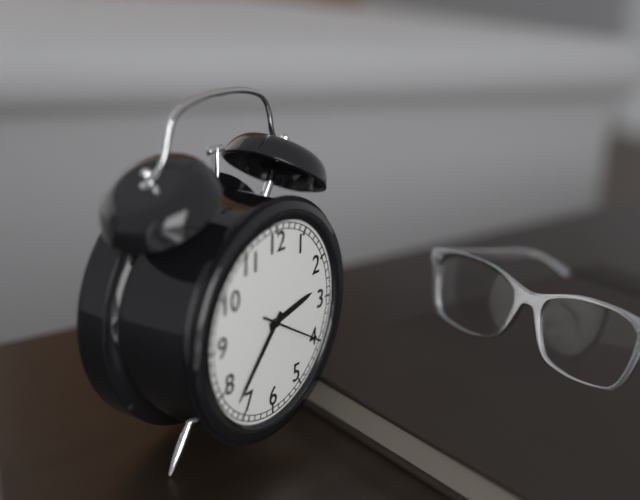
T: 2:37:20
